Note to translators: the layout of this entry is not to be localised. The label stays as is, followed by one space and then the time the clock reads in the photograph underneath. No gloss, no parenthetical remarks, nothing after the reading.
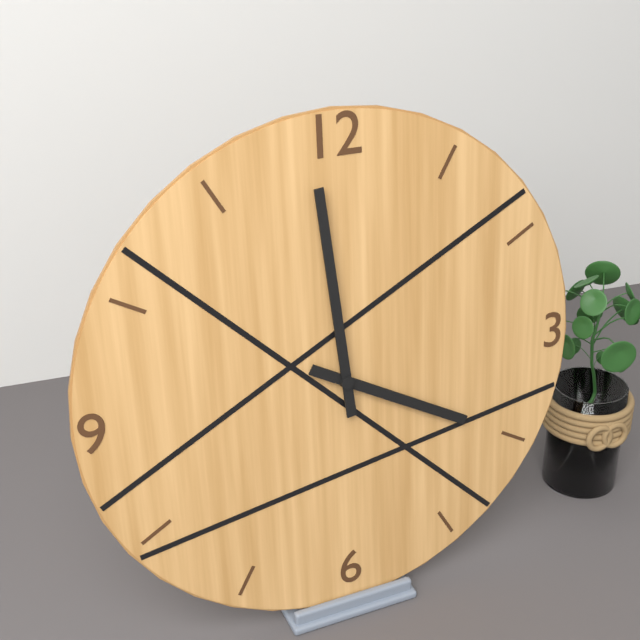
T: 3:59
